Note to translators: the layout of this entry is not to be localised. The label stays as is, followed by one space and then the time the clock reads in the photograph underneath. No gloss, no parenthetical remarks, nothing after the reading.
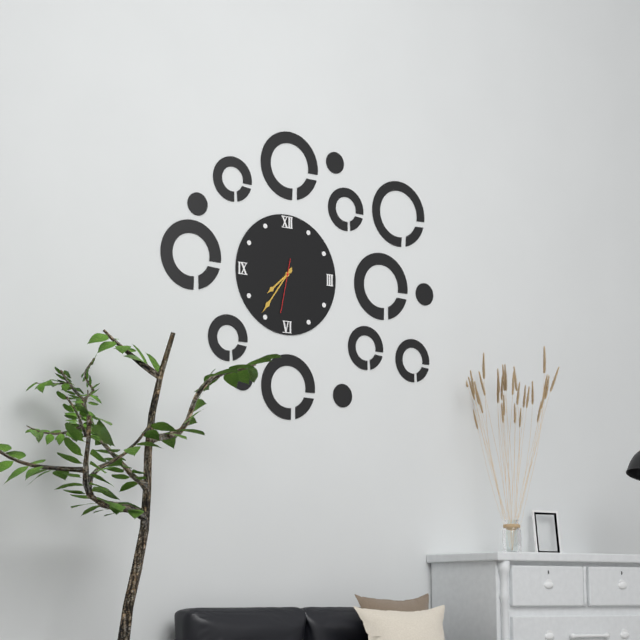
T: 7:36
